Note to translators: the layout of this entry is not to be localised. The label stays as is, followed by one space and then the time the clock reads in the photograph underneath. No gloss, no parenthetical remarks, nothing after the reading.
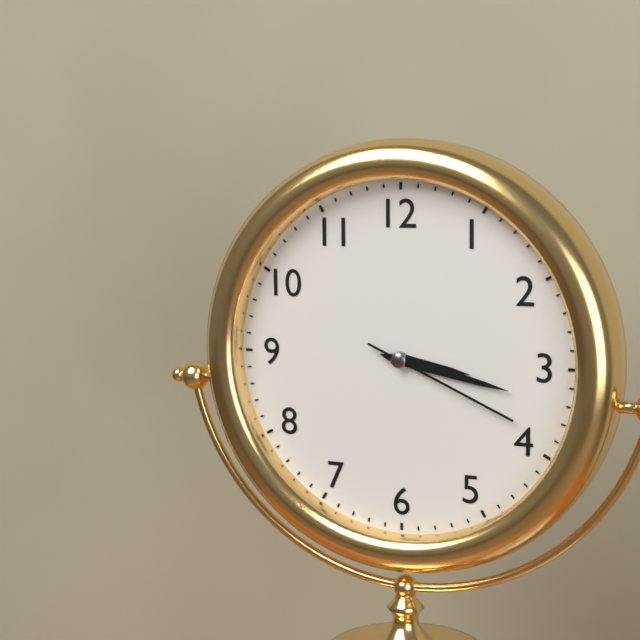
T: 3:17:19
